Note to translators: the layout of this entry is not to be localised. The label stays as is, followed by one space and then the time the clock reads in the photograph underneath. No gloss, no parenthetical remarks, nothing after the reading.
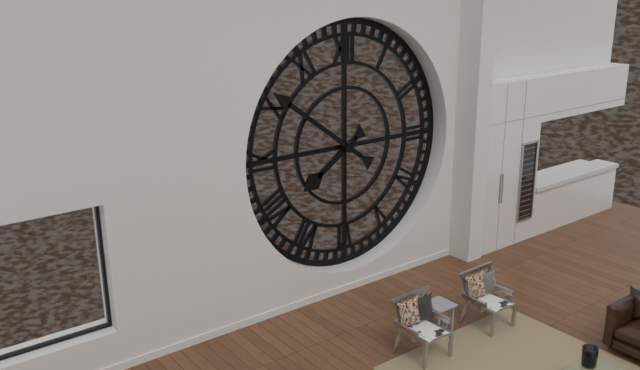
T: 7:51
